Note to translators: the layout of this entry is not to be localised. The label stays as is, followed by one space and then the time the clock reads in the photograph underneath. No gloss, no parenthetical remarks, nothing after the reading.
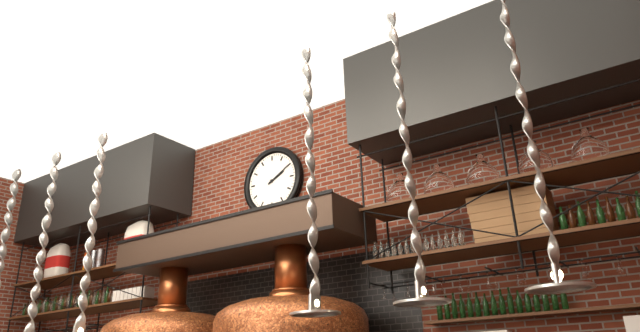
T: 2:10
